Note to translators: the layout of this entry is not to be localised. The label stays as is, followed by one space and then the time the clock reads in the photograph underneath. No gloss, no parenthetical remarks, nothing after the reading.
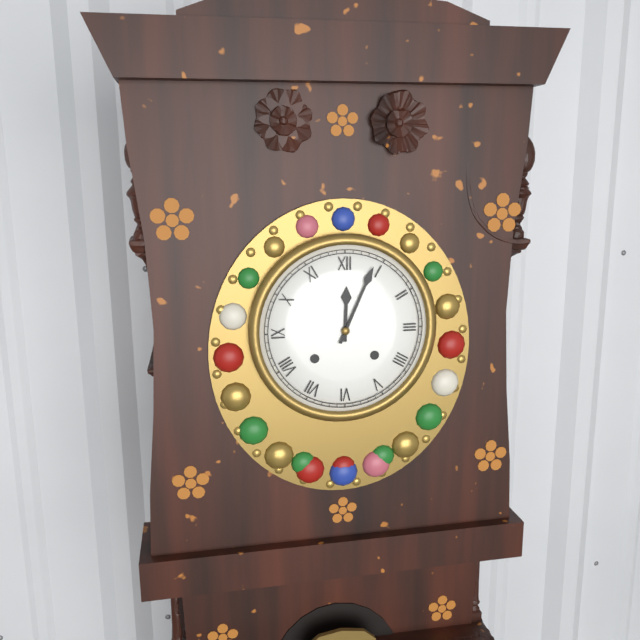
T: 12:04
